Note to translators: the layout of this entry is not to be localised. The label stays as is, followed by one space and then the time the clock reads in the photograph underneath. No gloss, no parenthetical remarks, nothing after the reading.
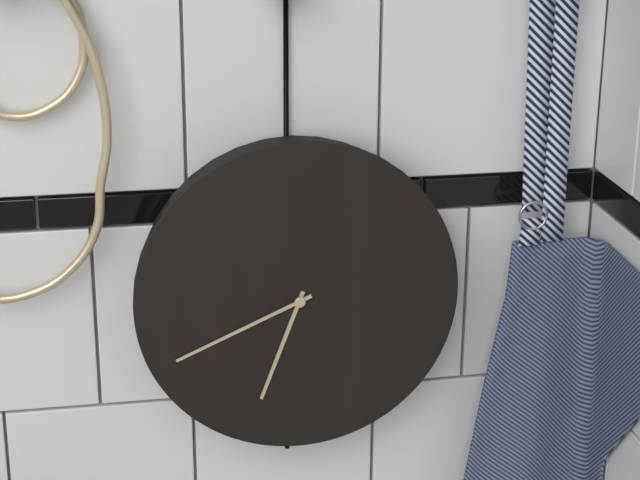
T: 6:41
